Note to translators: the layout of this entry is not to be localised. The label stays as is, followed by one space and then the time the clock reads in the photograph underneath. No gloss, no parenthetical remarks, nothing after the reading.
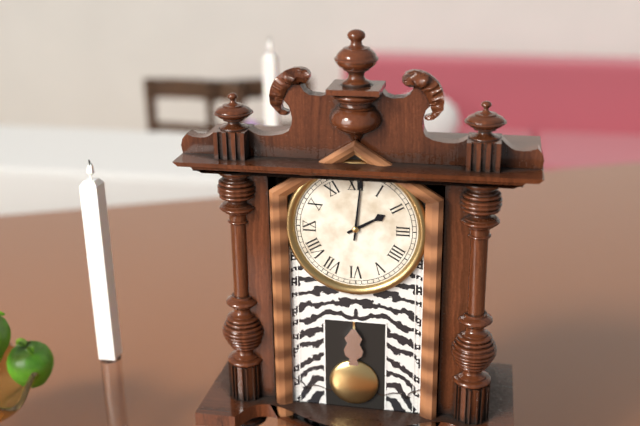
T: 2:01
